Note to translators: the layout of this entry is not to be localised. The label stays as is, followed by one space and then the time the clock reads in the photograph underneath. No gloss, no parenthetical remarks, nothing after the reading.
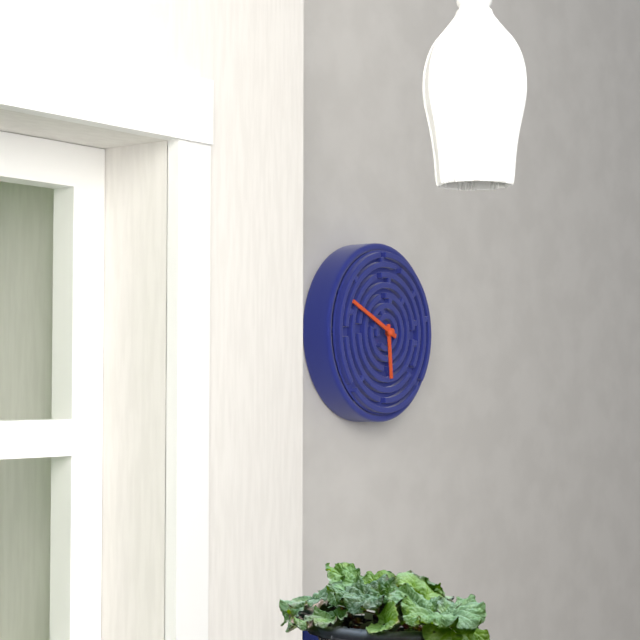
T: 5:49
